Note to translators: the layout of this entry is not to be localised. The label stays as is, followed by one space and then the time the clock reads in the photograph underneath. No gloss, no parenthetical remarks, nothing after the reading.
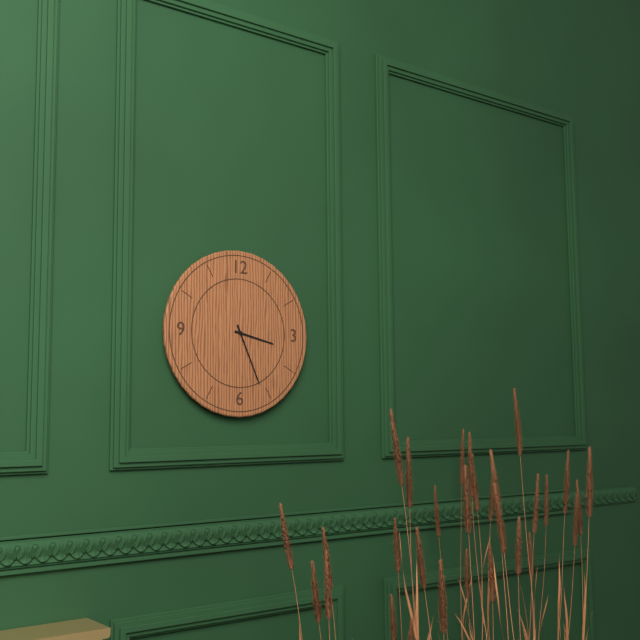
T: 3:26
